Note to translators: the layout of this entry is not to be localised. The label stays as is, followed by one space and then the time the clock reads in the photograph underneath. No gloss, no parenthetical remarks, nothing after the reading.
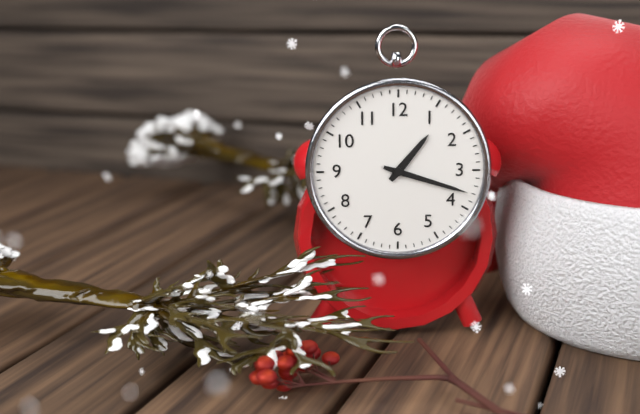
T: 1:18
